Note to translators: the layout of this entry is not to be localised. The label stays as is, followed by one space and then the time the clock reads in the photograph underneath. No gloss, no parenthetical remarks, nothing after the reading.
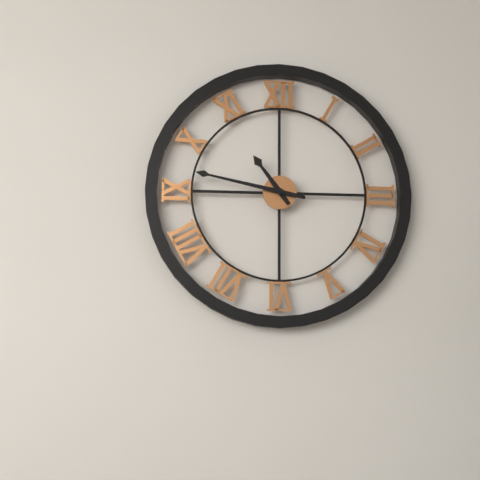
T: 10:47
